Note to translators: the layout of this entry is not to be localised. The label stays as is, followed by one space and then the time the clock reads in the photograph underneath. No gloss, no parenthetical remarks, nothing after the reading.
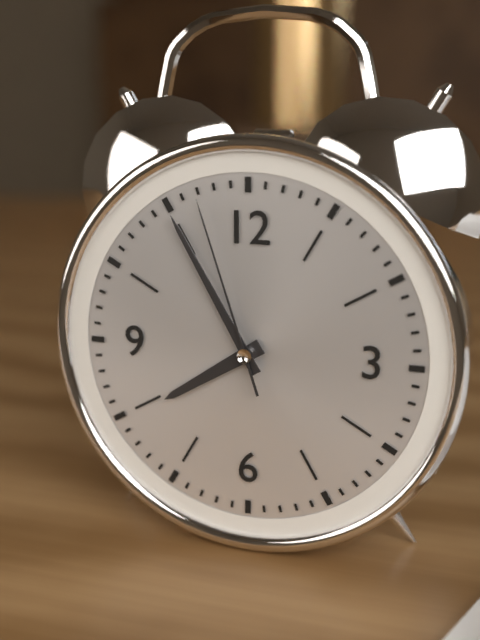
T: 7:55:57
